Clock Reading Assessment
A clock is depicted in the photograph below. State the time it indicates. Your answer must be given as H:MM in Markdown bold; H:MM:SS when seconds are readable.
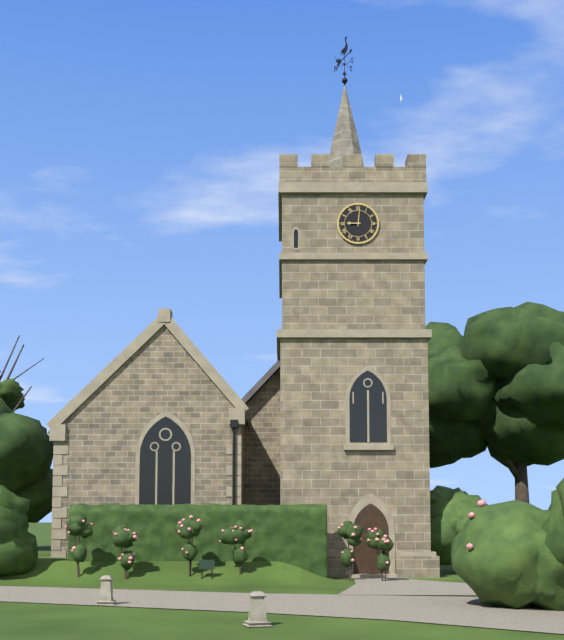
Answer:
**9:01**
